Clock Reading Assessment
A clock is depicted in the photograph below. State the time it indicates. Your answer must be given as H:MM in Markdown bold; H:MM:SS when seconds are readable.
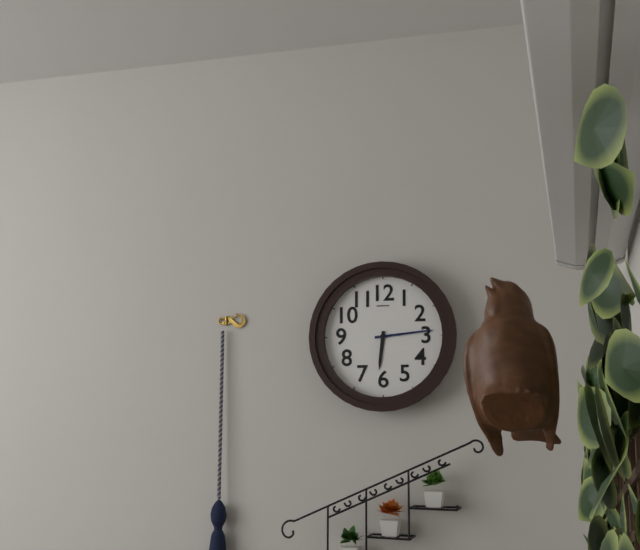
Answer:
**6:14**
